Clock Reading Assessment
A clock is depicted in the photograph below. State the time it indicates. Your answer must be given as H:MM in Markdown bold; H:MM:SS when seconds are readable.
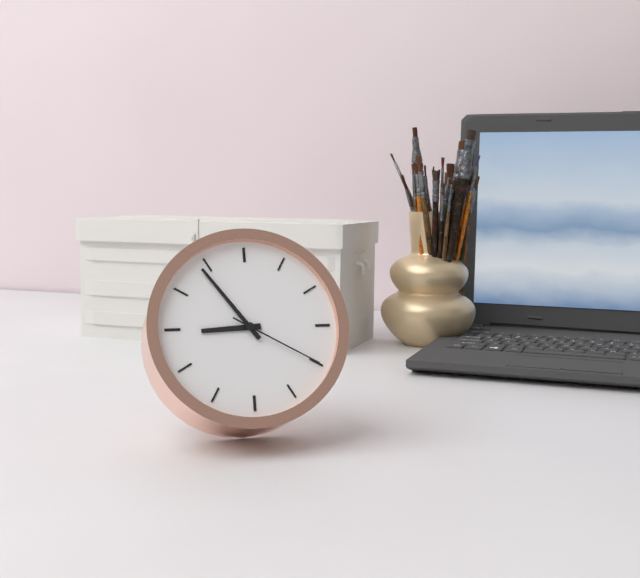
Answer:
**8:54:20**
